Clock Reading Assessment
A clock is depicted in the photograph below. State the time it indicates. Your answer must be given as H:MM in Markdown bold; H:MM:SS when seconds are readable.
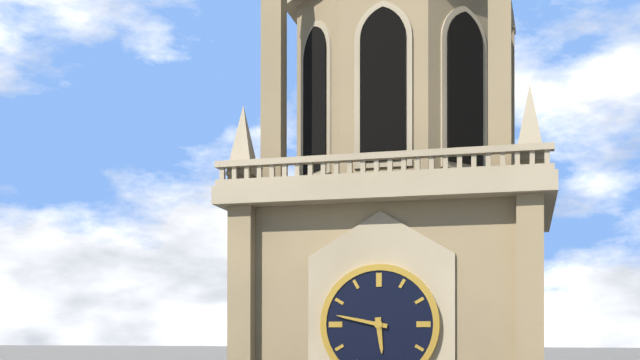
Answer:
**5:47**
